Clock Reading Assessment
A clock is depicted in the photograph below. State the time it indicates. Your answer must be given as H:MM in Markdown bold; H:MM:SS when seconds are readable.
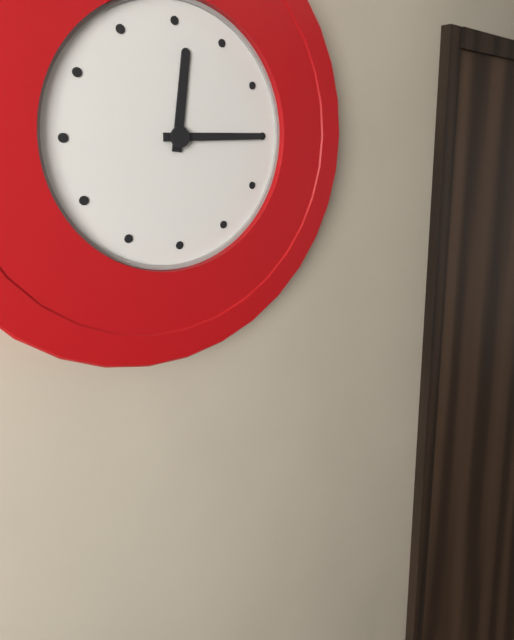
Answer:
**12:15**
